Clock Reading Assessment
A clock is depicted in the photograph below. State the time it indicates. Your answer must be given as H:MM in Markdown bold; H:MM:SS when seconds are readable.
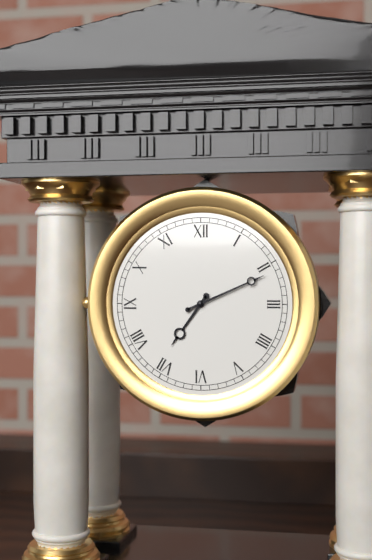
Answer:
**7:11**
